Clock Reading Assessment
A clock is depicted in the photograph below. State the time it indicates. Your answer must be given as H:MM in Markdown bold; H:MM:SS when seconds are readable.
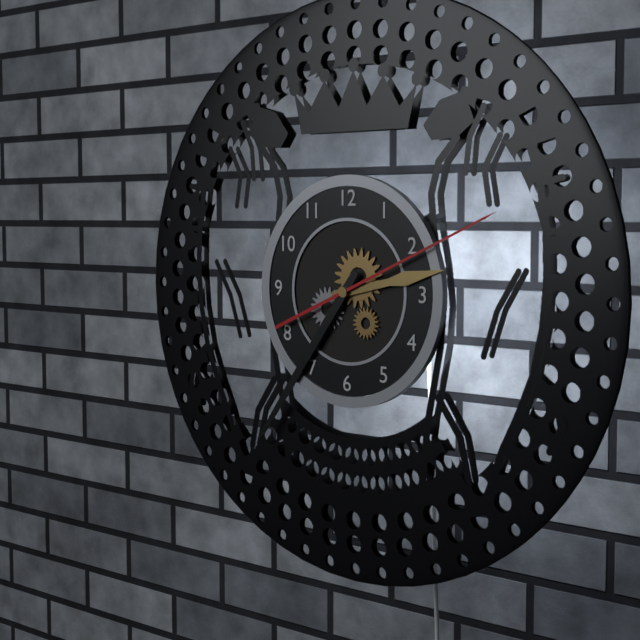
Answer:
**2:36:11**
